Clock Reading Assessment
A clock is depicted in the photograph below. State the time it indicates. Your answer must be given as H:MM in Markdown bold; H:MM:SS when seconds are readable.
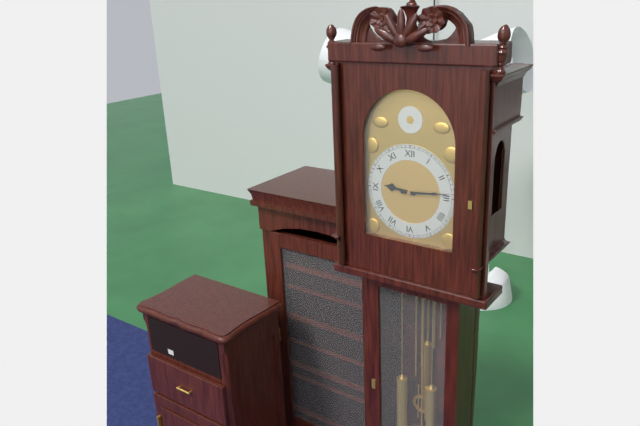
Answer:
**9:14**
